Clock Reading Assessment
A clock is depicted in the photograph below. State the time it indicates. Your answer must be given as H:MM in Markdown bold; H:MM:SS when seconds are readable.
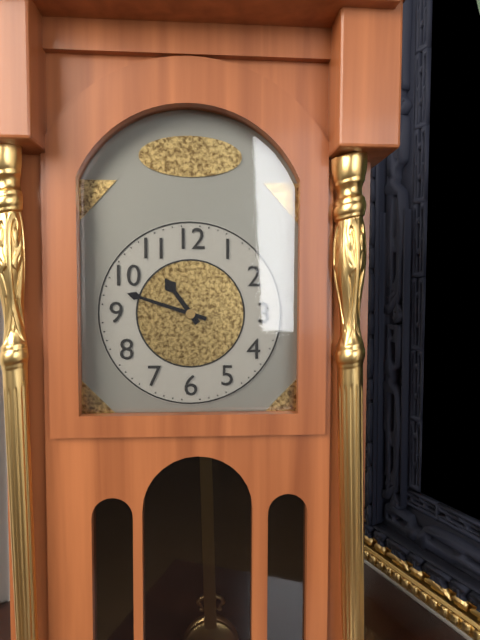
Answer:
**10:48**
